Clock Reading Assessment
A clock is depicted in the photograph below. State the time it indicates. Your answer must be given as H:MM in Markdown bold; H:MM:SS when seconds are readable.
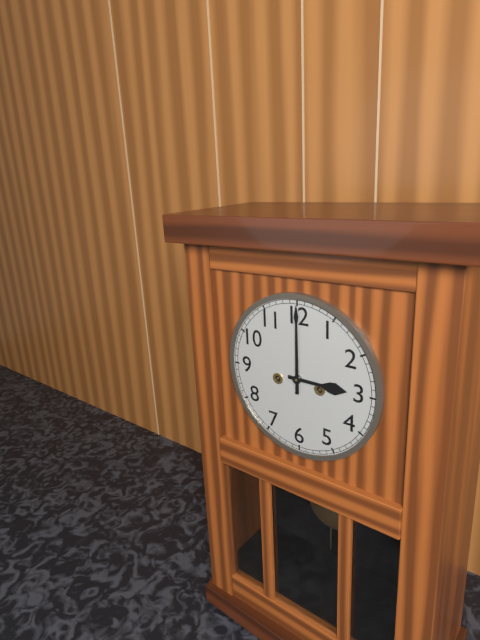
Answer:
**3:00**
